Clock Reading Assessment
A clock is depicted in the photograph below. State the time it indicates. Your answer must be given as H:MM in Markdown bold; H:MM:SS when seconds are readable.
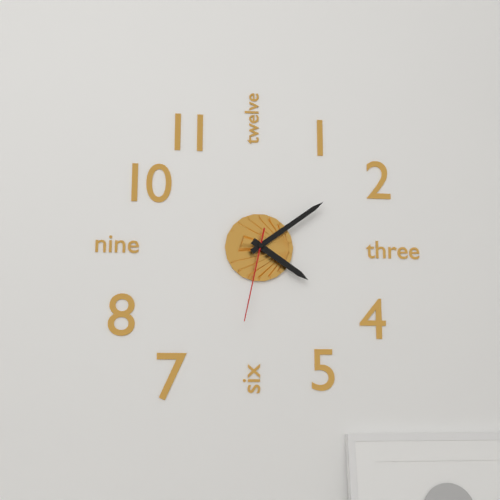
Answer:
**4:09:32**
